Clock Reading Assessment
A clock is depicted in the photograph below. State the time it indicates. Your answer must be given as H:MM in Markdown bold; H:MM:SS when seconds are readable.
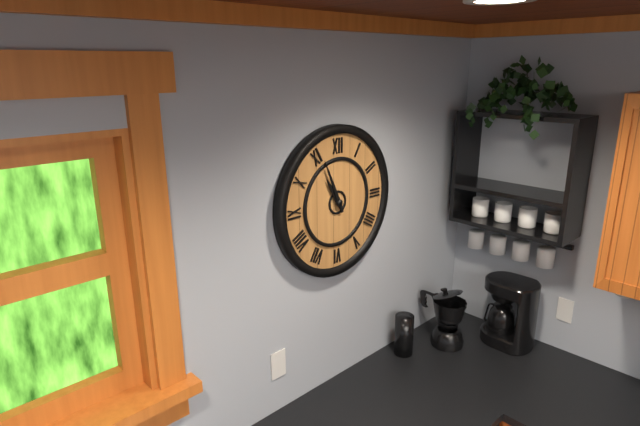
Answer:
**10:56**
